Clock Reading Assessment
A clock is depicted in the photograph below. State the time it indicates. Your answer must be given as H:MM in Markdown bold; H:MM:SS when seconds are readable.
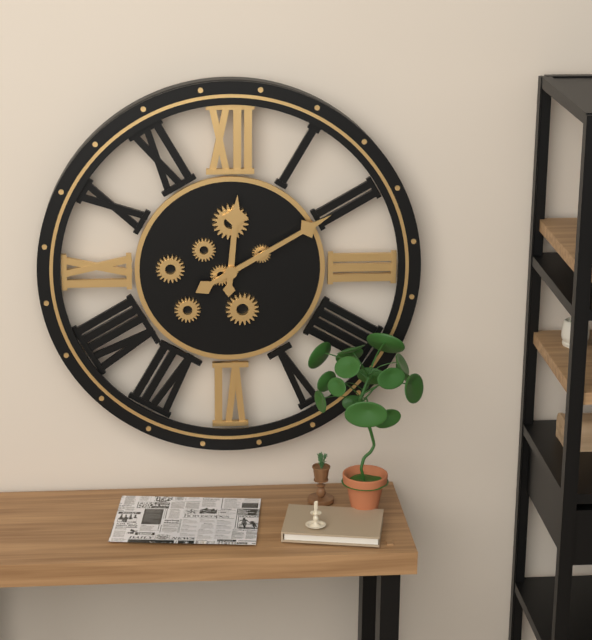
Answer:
**12:10**
